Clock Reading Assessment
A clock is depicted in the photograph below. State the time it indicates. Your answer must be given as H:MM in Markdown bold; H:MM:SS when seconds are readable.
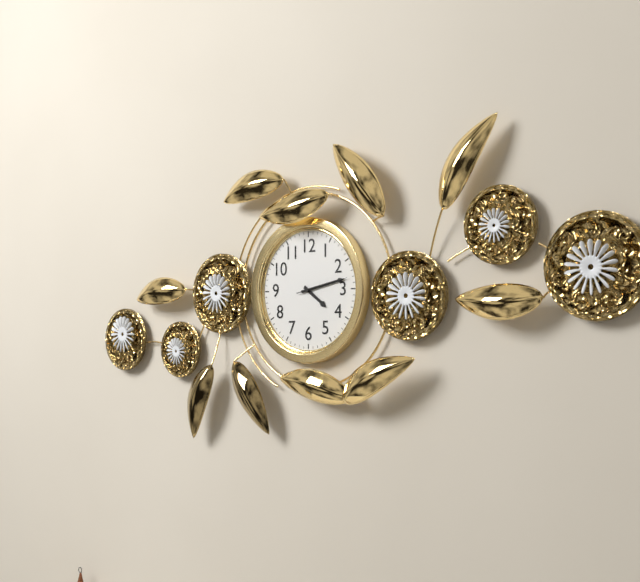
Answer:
**4:13:13**
